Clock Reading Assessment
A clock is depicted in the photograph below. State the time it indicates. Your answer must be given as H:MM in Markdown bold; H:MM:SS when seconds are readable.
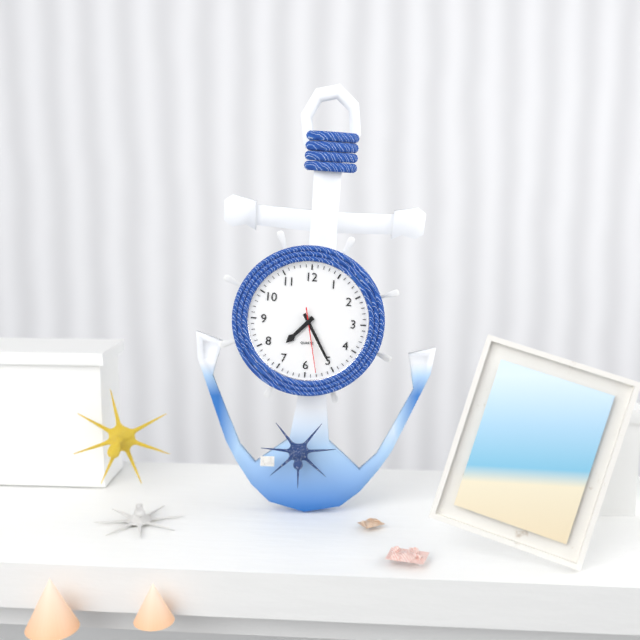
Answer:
**7:25:28**
